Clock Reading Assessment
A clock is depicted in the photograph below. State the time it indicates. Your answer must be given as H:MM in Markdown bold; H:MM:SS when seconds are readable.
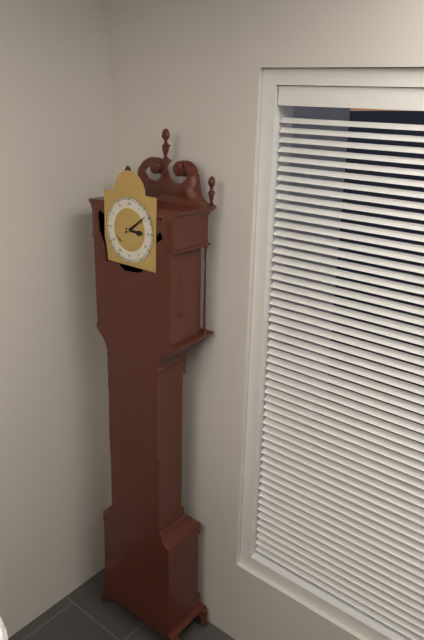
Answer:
**3:09**
